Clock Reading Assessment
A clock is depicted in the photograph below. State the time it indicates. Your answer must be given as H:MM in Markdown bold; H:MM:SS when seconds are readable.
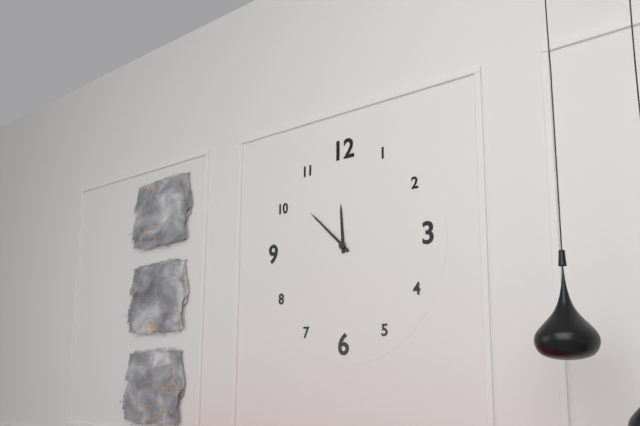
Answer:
**11:52**
